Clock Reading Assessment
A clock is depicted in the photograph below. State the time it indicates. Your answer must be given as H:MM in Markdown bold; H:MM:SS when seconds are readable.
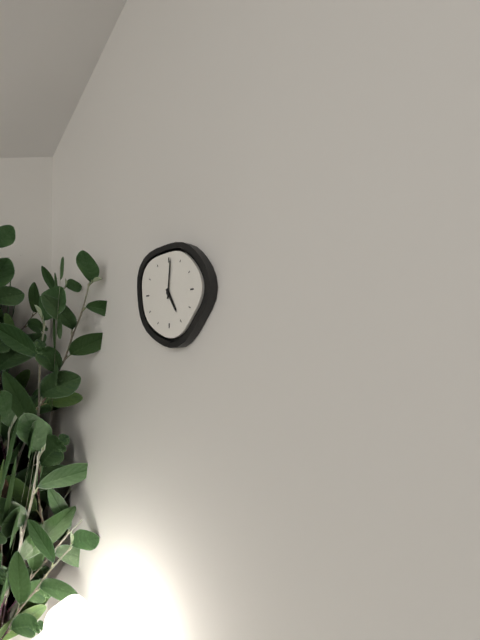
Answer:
**5:01**
